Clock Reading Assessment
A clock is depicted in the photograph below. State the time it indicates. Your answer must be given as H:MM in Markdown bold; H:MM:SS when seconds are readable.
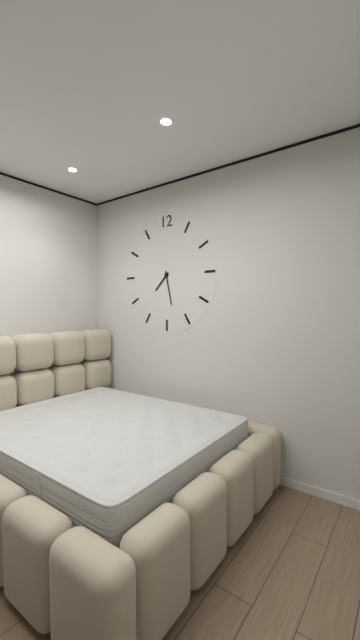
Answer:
**7:28**
